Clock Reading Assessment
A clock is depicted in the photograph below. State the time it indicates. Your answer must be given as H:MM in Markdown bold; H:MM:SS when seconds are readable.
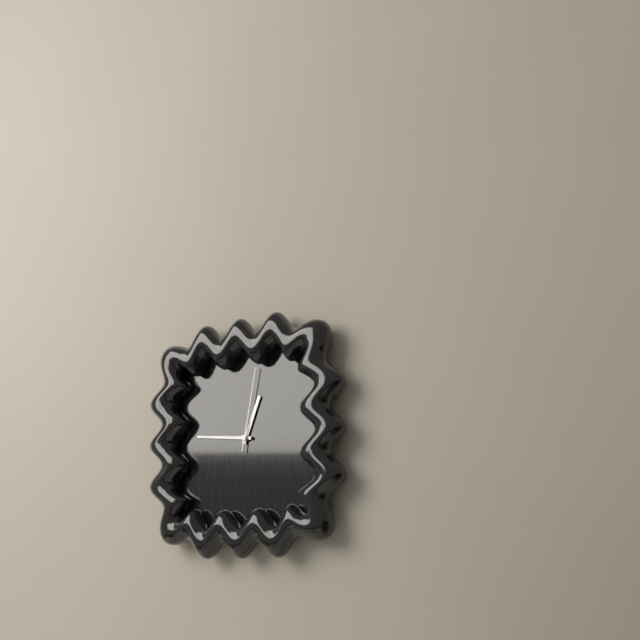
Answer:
**12:46:02**
